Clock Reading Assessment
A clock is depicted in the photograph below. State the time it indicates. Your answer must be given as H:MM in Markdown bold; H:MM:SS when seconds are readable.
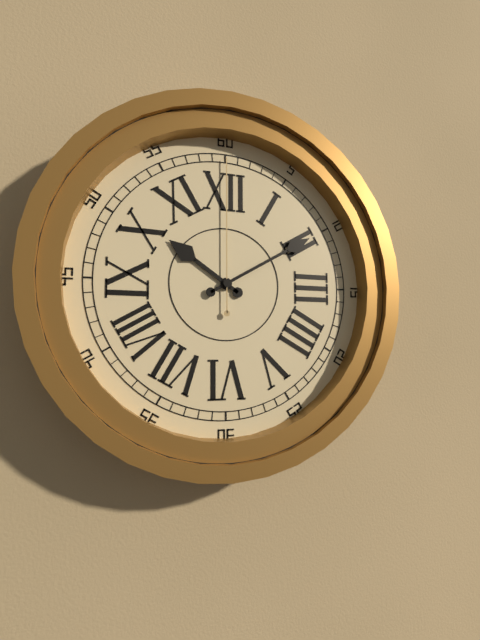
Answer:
**10:10:00**
